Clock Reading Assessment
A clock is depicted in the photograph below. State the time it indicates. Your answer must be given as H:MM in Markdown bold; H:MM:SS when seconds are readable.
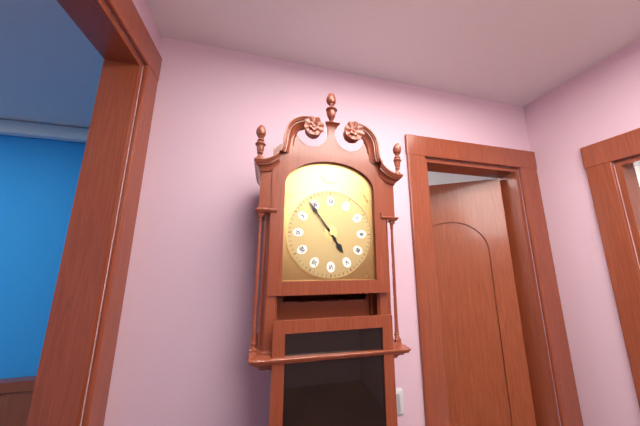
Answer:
**4:54**
